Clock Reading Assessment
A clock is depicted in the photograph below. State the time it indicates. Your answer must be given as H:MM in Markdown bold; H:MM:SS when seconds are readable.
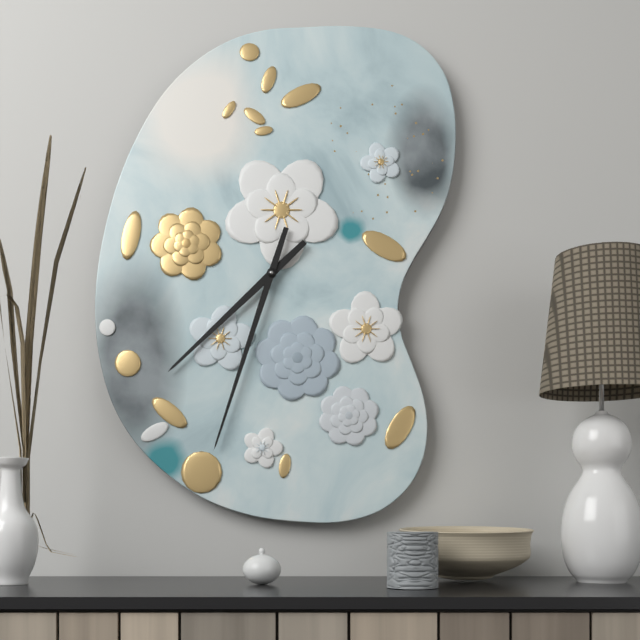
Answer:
**7:33**
